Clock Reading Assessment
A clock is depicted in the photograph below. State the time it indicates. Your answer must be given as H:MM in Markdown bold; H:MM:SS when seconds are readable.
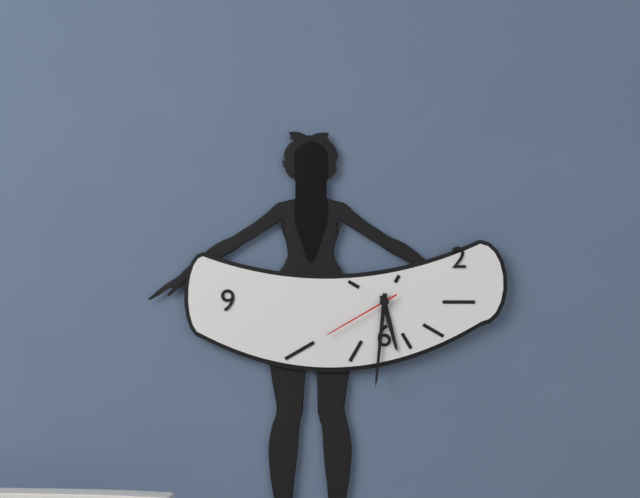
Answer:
**5:31:40**
